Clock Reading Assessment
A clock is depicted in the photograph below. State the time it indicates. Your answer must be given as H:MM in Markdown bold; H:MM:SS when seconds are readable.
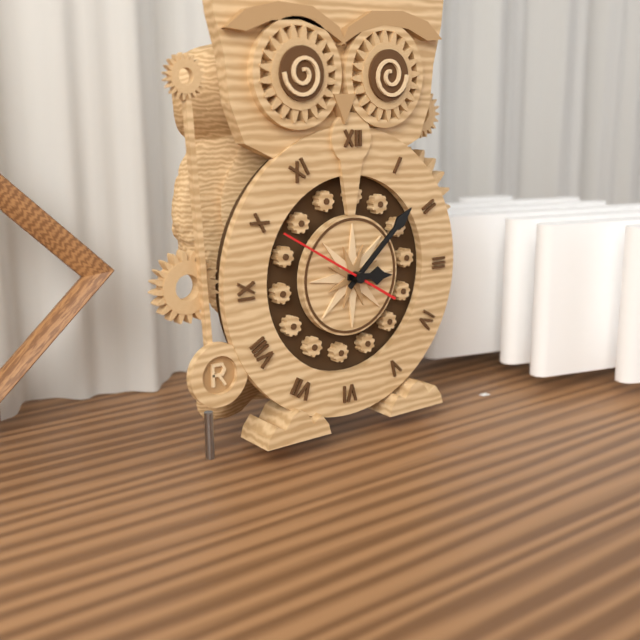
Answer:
**3:08:50**
